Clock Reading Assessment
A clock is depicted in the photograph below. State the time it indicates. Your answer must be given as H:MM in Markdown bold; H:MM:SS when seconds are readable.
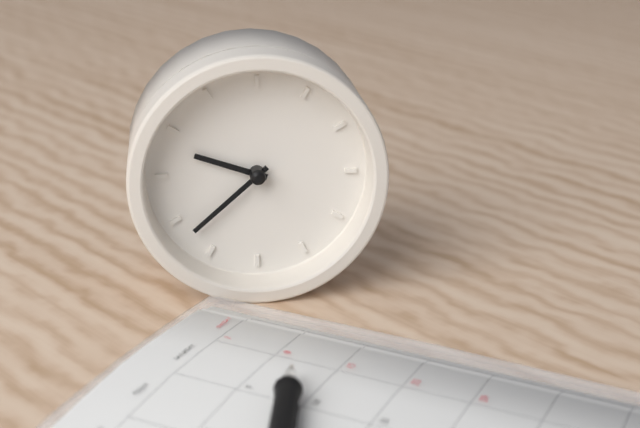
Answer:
**9:38**
